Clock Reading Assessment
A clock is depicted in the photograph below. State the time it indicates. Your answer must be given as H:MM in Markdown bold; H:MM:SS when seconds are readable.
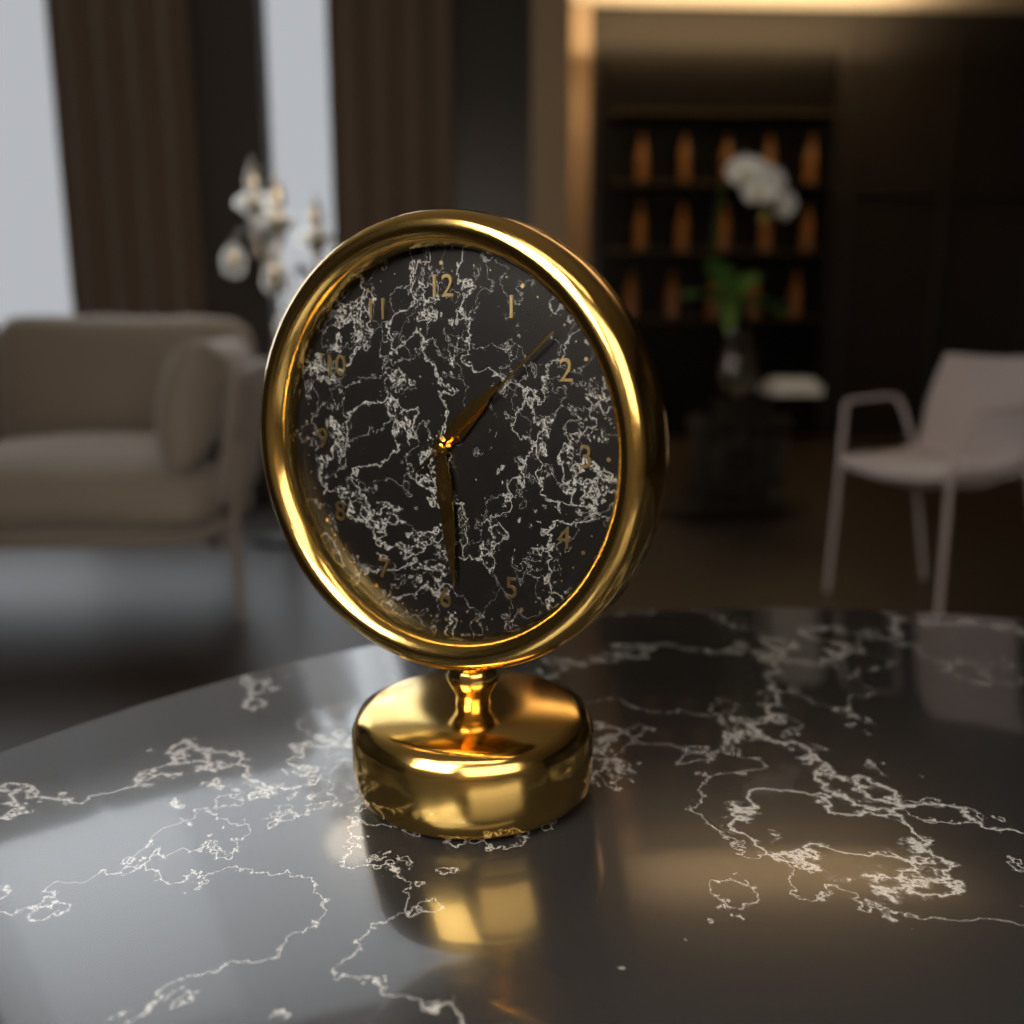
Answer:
**1:29:08**
